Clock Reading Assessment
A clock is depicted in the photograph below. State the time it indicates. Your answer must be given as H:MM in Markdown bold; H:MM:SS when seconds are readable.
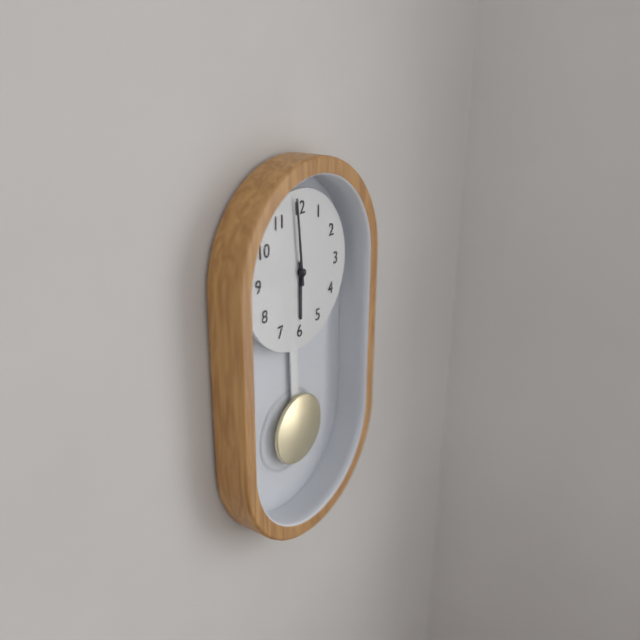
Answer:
**5:59**
